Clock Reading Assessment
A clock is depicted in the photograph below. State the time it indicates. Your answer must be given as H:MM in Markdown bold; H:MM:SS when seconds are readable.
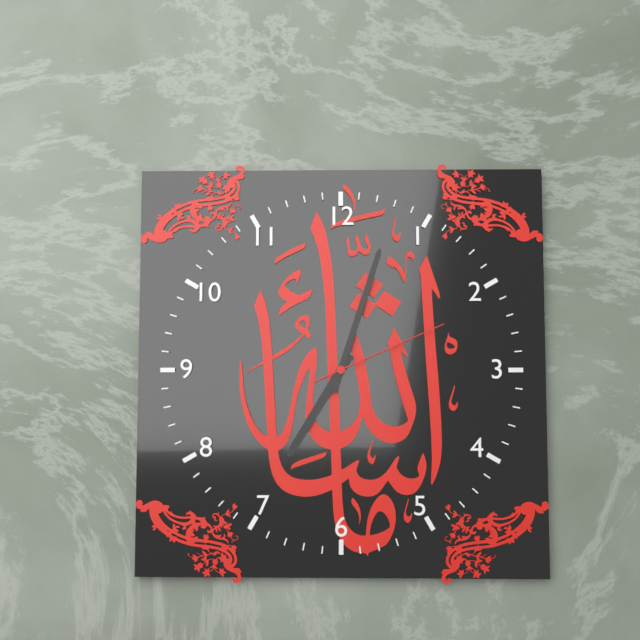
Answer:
**7:03:11**
